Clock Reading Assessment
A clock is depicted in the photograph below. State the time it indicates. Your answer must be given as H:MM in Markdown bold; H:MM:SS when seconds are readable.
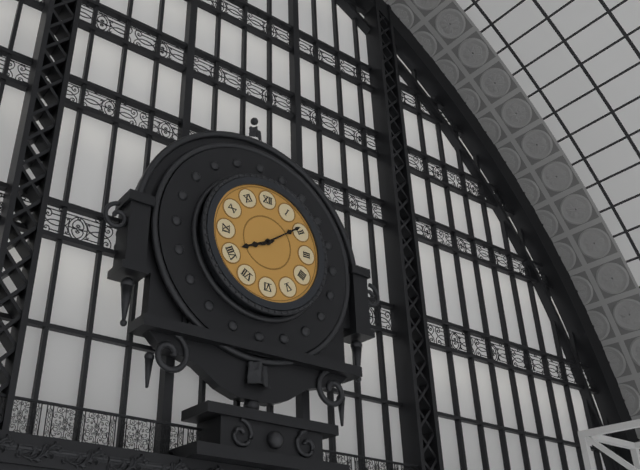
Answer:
**8:09**
